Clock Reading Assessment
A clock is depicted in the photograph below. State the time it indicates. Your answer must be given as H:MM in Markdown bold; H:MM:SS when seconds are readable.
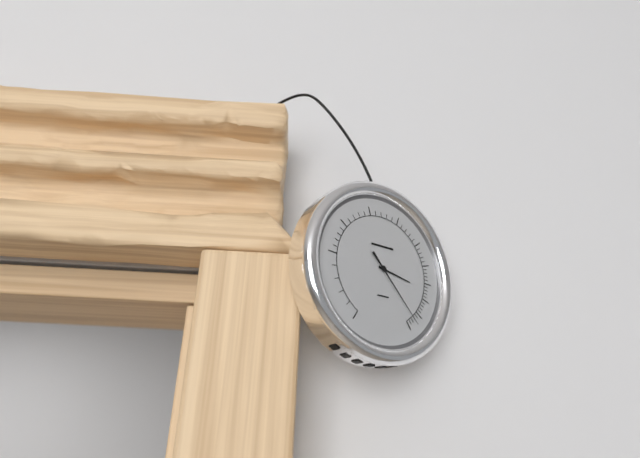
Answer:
**3:23**
